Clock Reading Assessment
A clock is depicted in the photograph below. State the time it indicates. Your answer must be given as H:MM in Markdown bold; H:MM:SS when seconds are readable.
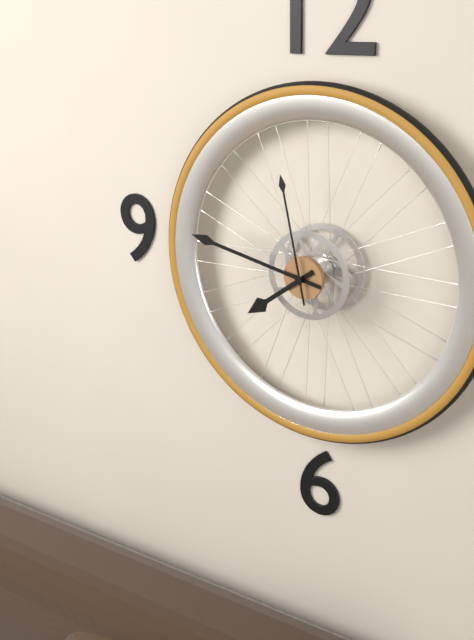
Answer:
**7:47:58**
